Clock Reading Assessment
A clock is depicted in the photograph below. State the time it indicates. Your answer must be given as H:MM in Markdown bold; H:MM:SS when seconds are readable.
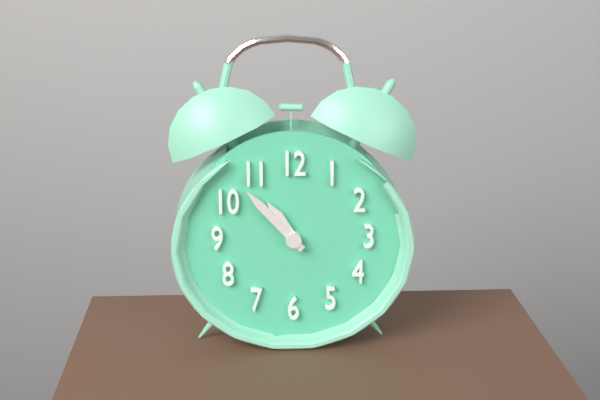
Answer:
**10:53**
